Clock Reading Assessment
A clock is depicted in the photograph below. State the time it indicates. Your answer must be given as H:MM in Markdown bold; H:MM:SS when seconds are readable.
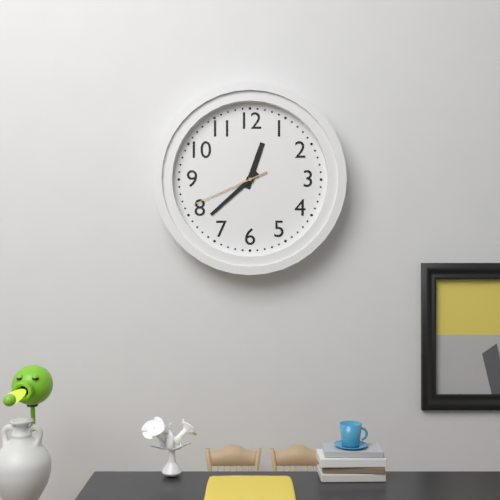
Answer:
**12:38:41**
